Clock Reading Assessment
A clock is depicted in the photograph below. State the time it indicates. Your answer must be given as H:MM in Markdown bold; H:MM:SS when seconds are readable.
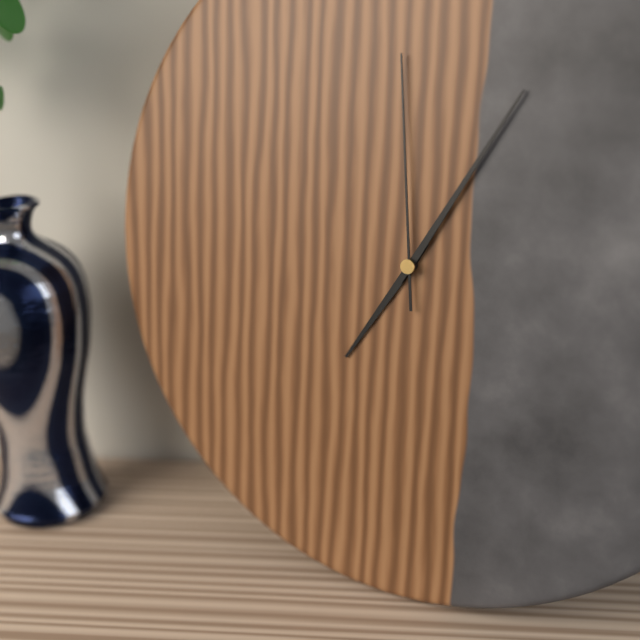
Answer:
**7:05:59**
